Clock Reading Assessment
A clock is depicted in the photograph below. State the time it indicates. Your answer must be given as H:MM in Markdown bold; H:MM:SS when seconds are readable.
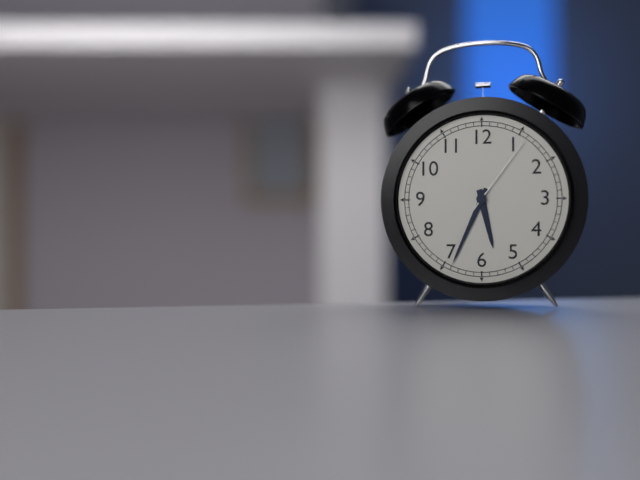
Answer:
**5:34:06**
